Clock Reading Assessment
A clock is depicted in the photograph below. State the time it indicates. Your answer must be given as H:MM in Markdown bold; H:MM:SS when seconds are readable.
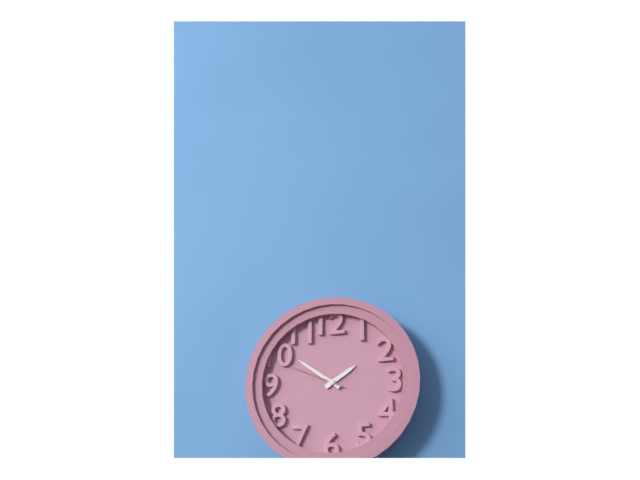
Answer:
**1:51:49**
